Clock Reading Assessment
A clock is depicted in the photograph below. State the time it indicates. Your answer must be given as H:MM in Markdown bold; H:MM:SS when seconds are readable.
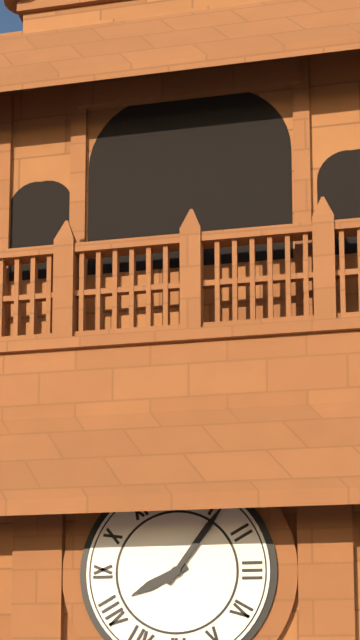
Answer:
**8:06**
